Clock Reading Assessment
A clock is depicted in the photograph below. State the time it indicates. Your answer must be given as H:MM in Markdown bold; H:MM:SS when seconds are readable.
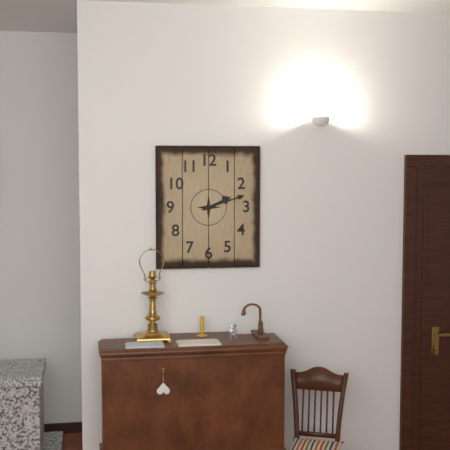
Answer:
**2:12**
